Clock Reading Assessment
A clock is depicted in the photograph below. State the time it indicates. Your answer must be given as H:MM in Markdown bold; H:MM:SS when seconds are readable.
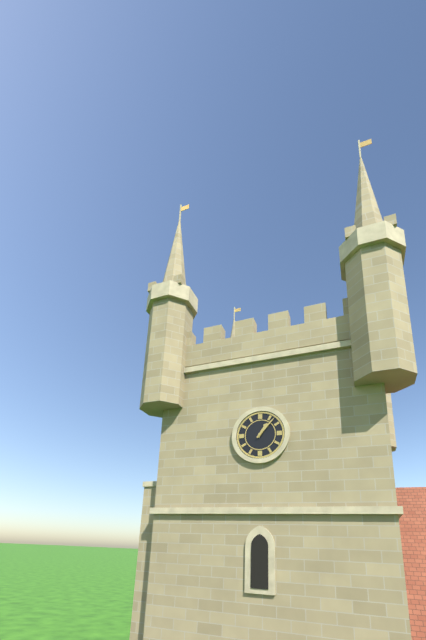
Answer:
**1:07**
